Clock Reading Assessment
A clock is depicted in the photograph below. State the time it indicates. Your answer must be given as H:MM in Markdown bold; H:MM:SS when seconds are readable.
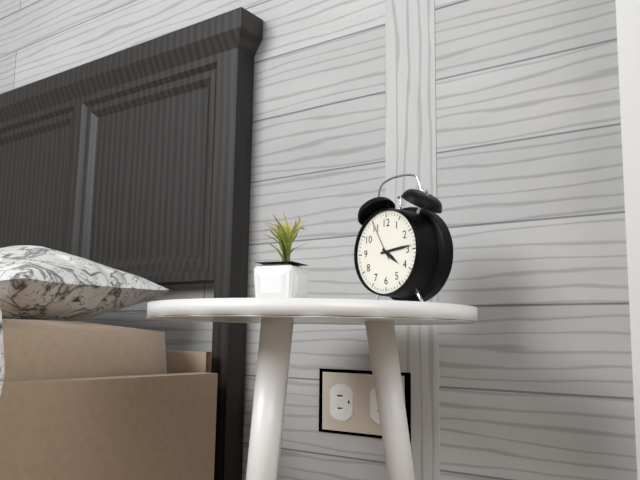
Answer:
**4:14**
